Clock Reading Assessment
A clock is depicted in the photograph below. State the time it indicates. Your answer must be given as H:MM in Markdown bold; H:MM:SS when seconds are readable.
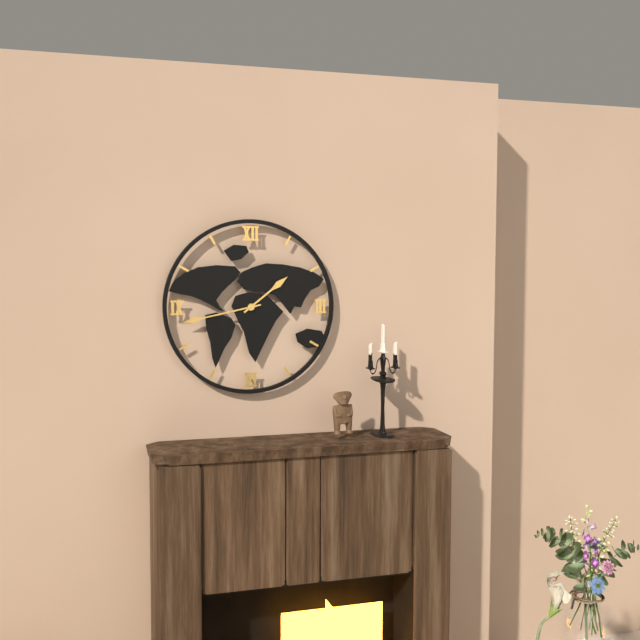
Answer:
**1:43**
